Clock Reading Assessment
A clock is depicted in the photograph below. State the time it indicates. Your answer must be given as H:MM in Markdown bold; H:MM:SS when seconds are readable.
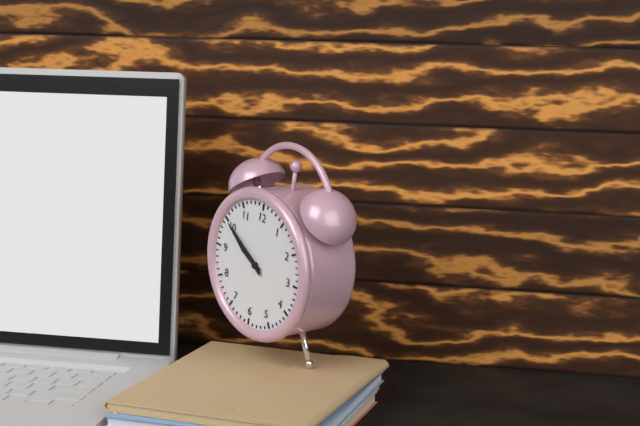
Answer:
**9:50**
